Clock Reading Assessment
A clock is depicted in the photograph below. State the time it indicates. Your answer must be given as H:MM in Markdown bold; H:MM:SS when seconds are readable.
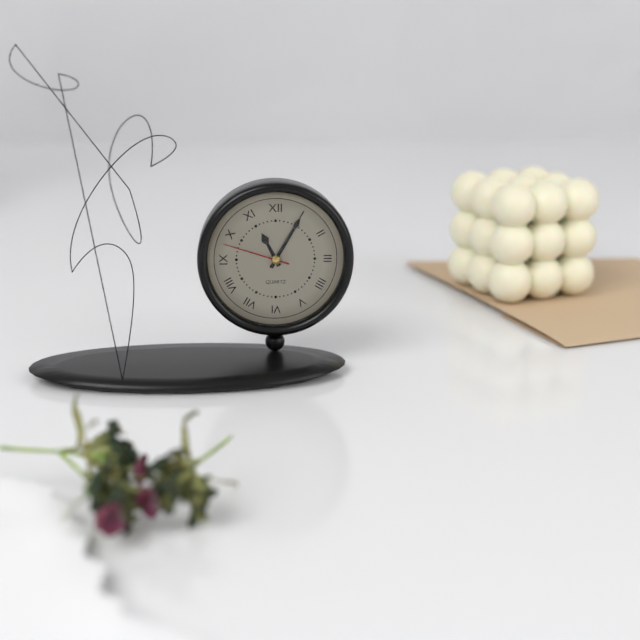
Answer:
**11:05:48**
